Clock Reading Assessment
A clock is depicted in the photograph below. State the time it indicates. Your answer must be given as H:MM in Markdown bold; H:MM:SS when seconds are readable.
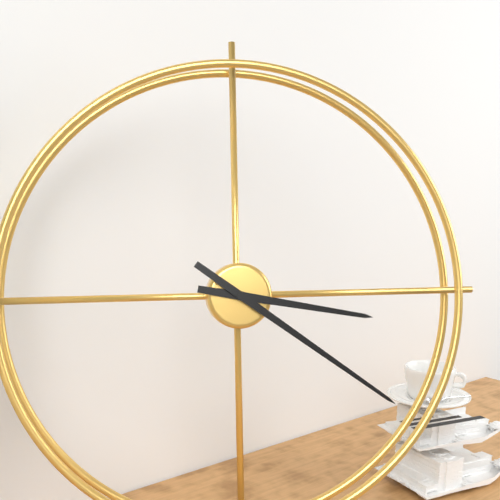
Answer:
**3:21**
